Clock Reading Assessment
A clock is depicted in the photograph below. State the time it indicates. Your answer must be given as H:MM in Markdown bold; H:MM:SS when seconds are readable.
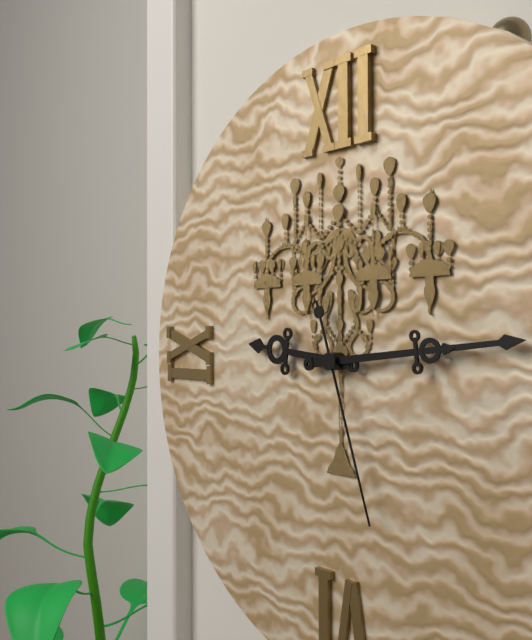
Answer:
**9:14:27**
